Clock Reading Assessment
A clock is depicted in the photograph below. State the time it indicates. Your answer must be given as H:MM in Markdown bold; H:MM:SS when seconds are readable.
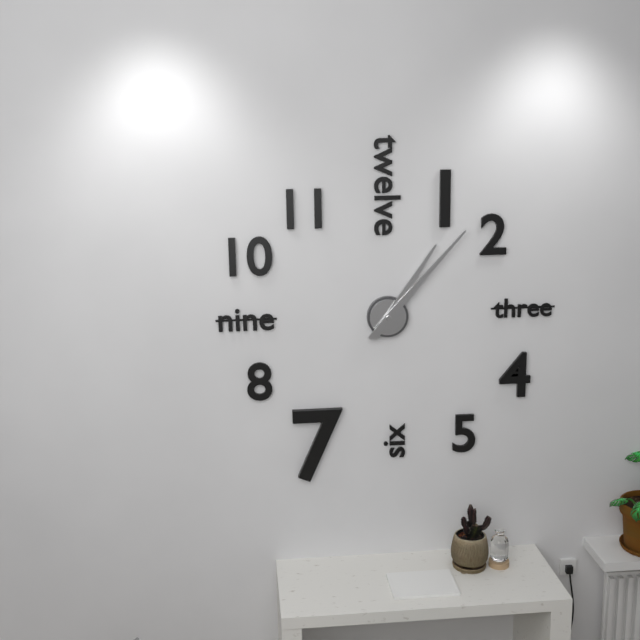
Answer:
**1:07**
